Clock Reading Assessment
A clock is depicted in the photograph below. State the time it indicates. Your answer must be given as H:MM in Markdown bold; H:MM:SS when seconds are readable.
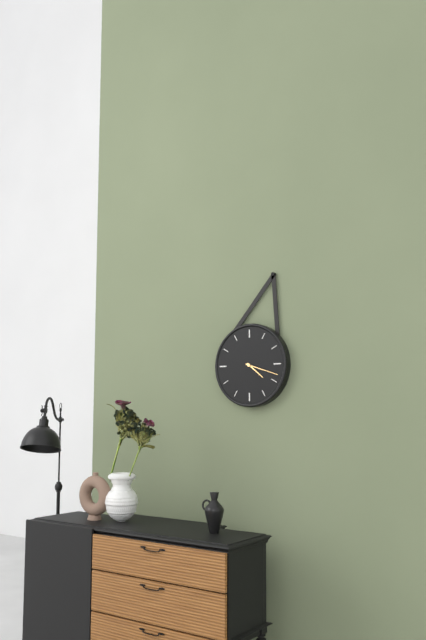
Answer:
**4:18**
